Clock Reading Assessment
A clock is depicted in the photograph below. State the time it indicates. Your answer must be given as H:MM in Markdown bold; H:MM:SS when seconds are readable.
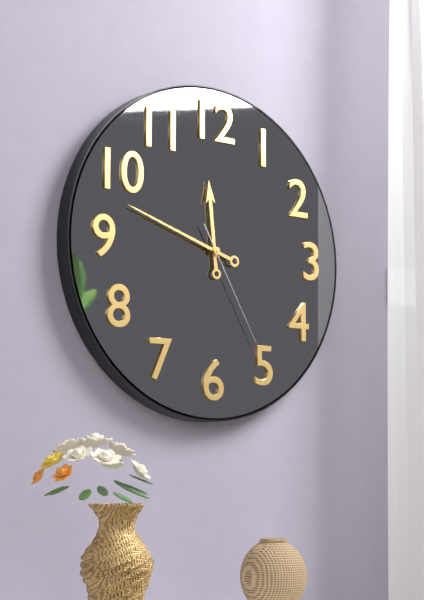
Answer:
**11:48:25**
